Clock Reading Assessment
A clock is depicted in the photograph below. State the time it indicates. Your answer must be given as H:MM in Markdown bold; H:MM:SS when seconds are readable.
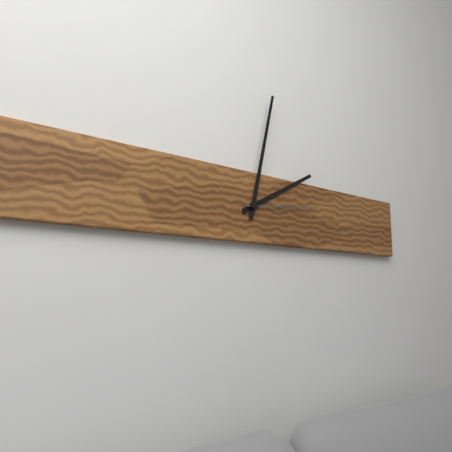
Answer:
**2:02:14**
